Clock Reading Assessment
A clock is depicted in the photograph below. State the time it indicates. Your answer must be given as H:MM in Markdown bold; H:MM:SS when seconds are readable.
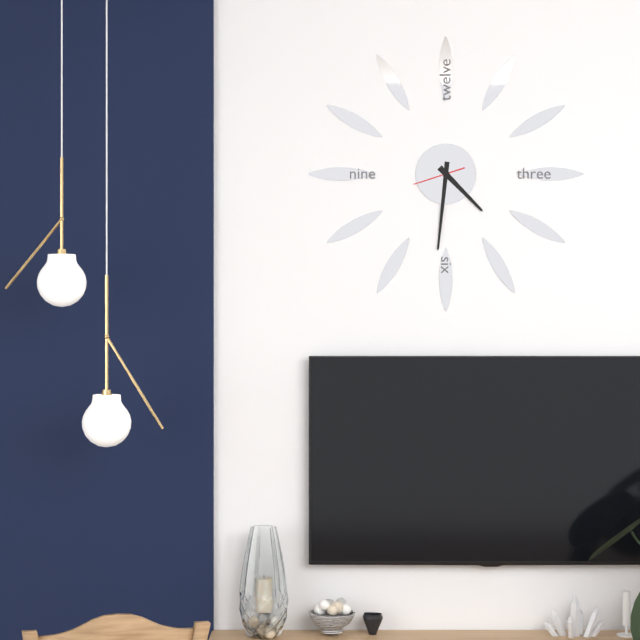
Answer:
**4:31**
